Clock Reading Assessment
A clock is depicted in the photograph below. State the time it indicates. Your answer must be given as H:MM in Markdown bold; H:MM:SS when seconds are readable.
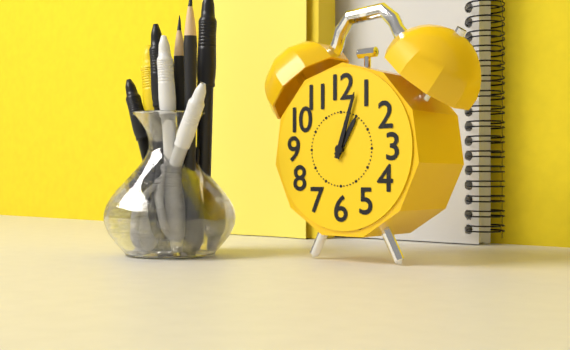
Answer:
**1:03**
